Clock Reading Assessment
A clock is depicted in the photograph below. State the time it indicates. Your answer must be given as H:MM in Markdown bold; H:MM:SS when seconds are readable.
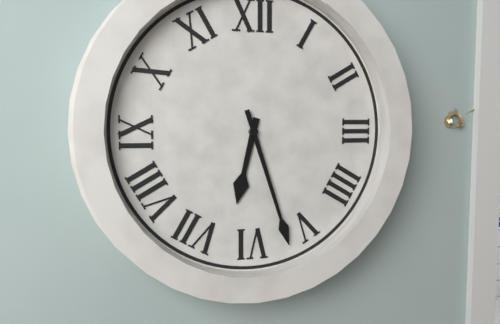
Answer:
**6:27**
